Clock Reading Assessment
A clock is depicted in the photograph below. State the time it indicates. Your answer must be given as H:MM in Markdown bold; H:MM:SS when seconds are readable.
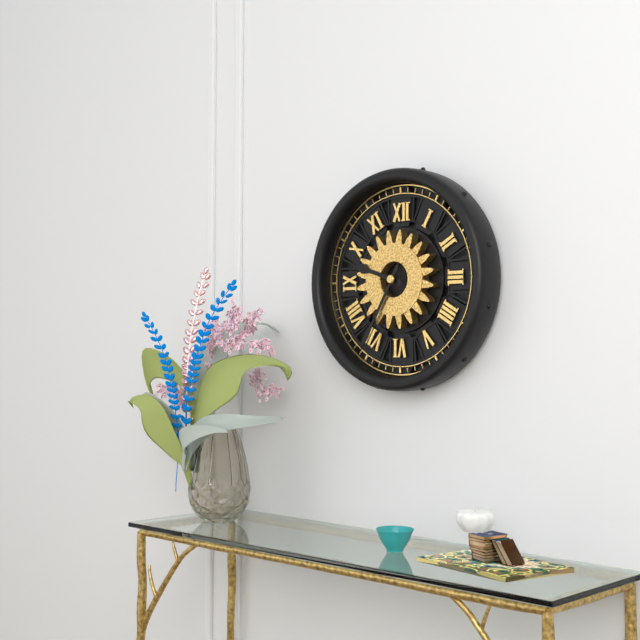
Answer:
**9:35**
